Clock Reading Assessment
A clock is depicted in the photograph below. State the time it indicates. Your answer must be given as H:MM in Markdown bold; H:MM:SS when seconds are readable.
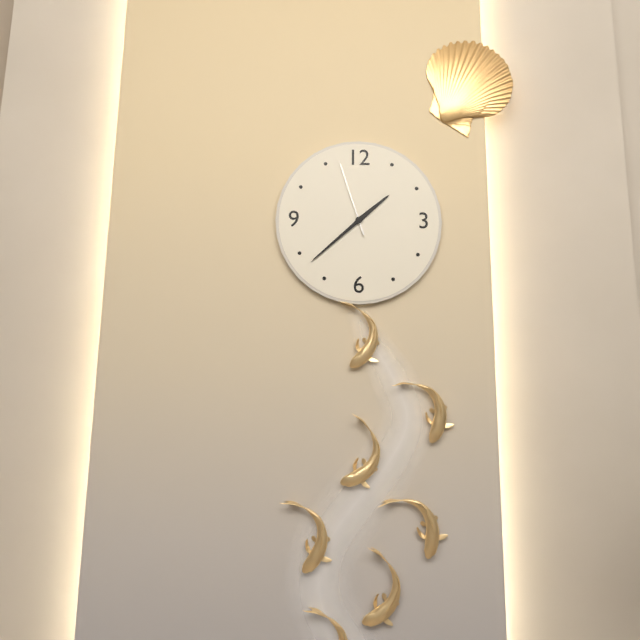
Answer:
**1:38:57**
